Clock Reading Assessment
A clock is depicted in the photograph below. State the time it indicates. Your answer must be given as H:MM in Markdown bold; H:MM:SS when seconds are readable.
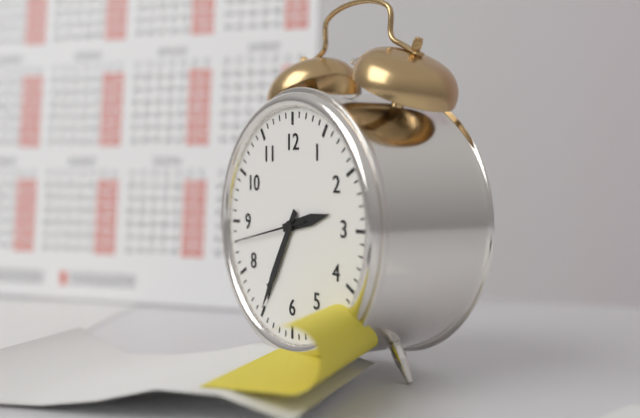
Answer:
**2:35:43**
